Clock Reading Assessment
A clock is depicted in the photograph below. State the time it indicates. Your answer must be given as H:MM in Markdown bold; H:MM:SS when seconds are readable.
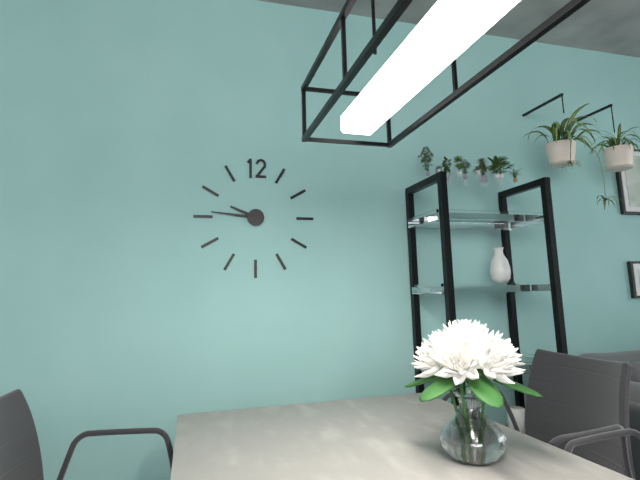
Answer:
**9:46**
